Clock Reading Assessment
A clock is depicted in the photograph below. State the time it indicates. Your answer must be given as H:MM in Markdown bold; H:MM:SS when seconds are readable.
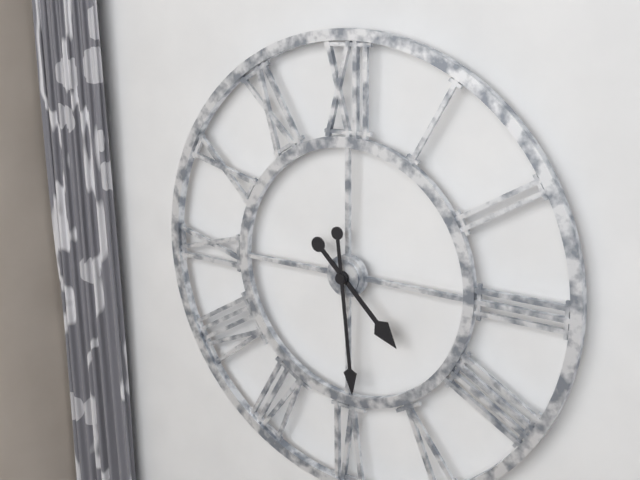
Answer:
**4:29**
